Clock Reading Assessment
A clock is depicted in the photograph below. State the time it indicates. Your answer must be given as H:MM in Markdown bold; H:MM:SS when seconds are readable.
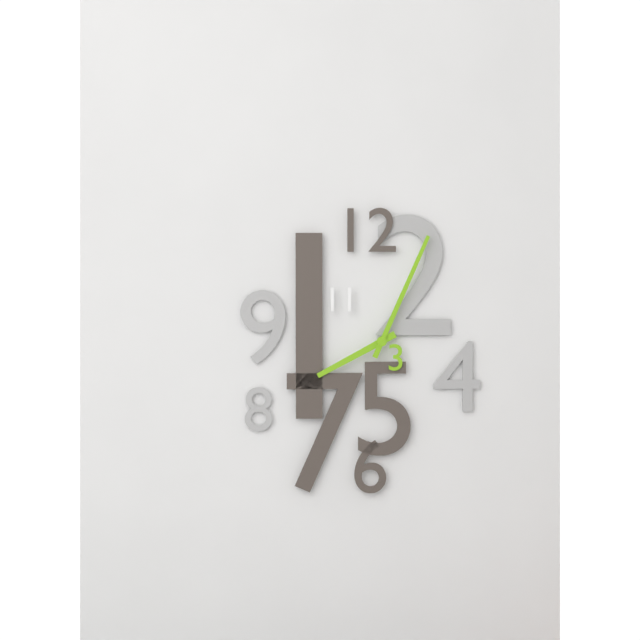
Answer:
**8:04**
